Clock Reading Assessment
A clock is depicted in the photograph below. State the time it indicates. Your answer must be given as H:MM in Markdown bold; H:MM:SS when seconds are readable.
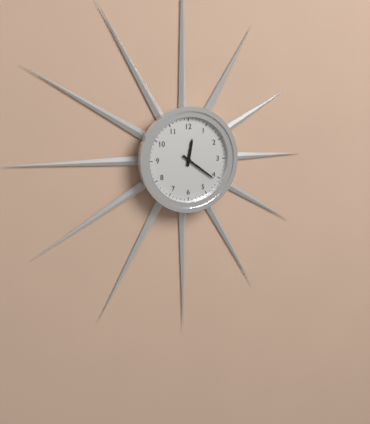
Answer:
**12:21**
